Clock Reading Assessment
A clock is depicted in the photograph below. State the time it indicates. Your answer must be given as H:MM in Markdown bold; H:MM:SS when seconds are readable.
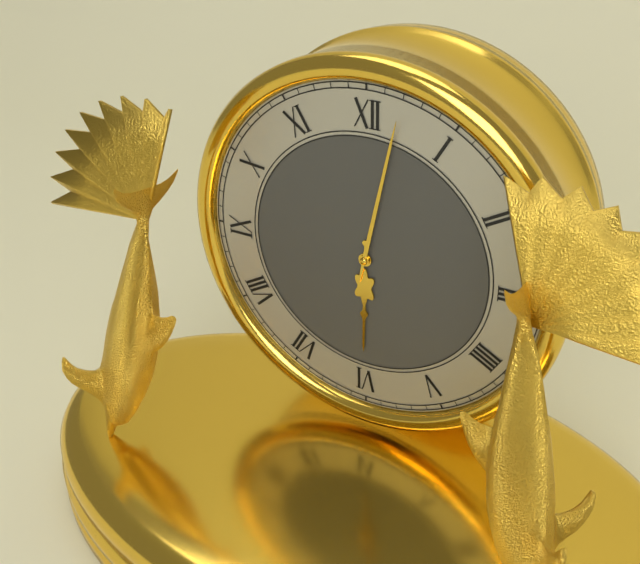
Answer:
**6:02**
